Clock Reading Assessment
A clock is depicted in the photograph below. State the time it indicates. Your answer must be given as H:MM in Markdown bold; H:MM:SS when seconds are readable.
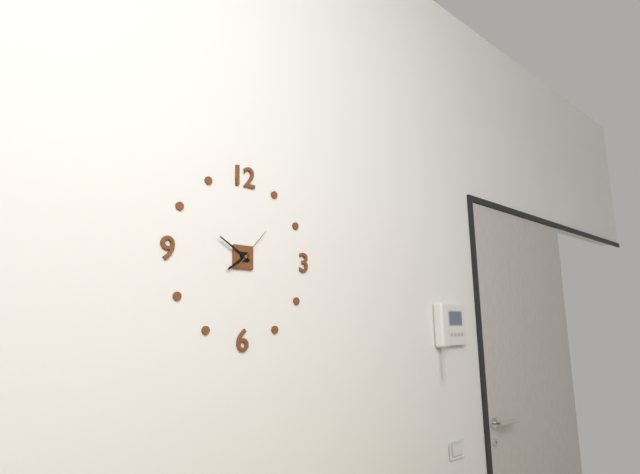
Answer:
**7:50**
